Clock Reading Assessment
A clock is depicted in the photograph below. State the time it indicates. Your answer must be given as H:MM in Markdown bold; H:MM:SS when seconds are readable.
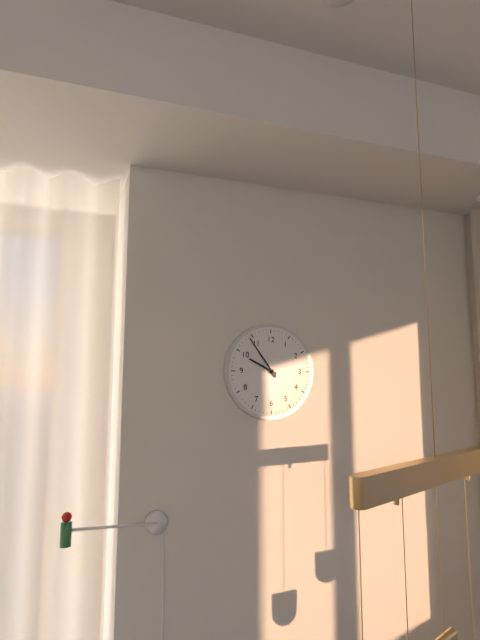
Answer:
**9:54**
